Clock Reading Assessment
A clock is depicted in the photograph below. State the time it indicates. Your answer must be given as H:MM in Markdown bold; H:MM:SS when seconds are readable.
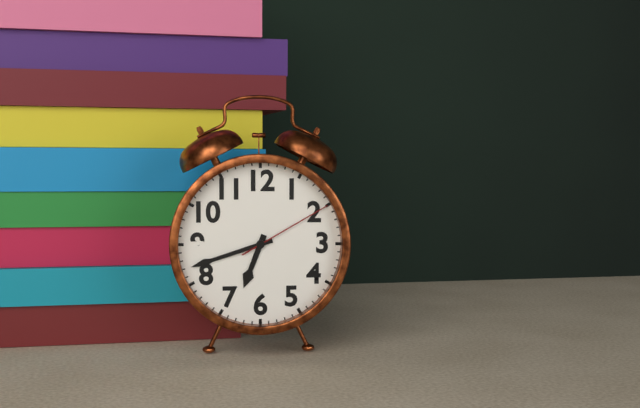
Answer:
**6:42:10**
